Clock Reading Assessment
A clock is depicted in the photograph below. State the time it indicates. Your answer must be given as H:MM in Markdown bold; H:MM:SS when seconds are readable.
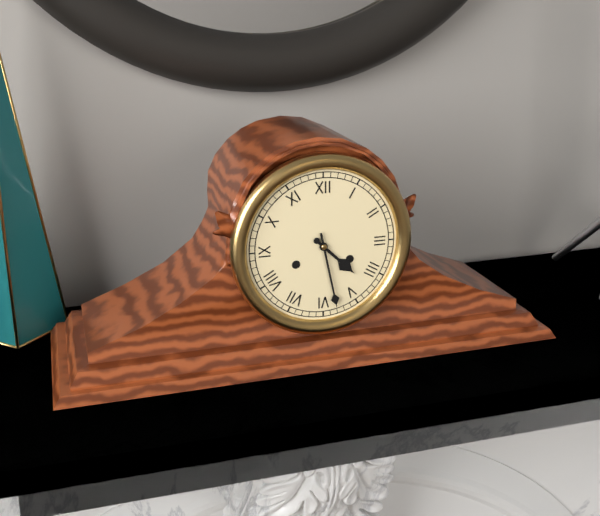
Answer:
**4:28**
